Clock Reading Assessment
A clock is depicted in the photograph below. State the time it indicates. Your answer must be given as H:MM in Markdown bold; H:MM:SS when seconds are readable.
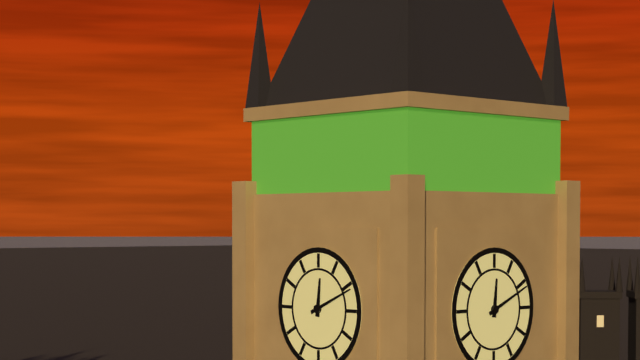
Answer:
**12:11**
